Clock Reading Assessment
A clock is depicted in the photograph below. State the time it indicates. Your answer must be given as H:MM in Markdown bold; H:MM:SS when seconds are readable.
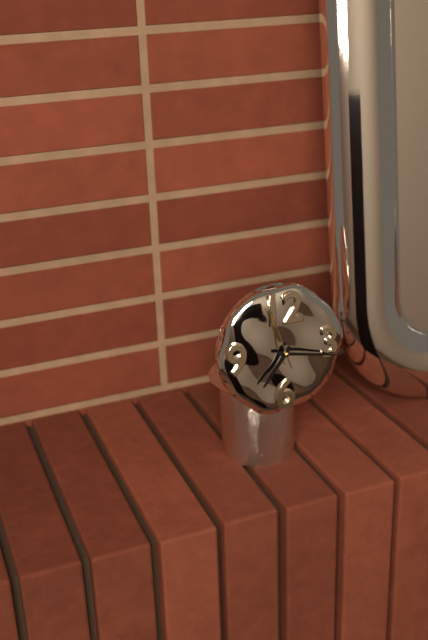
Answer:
**7:17:57**
